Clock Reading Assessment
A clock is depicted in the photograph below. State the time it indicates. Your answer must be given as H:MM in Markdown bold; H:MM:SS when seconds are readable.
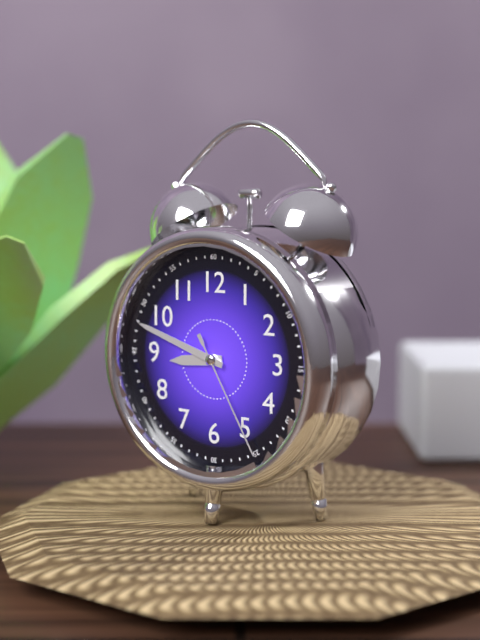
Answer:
**8:48:25**
